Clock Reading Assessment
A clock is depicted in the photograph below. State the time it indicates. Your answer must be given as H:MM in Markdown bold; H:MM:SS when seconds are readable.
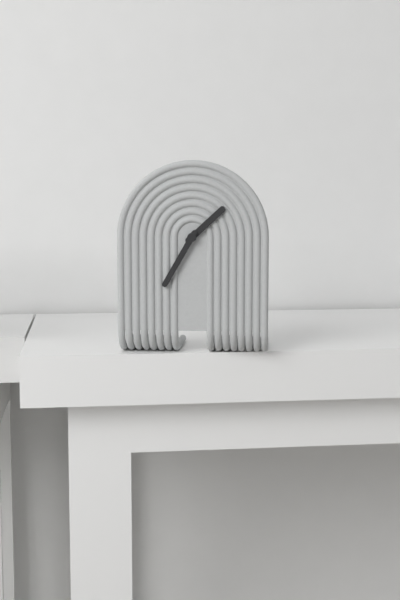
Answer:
**1:35**
